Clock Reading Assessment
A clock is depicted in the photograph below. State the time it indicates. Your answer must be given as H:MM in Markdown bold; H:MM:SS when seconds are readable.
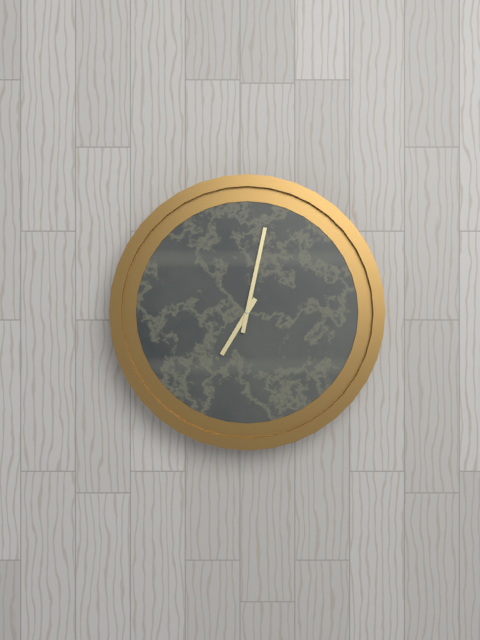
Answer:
**7:02**
